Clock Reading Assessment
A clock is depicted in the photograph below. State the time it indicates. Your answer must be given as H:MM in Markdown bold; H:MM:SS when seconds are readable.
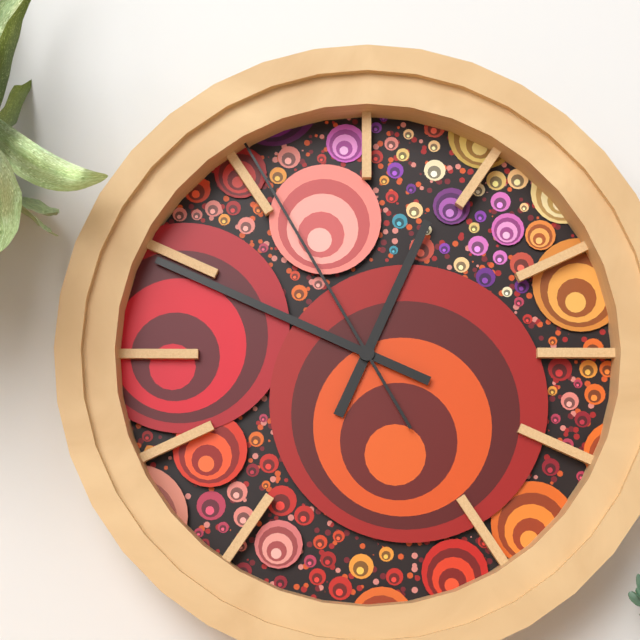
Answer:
**12:49:55**
